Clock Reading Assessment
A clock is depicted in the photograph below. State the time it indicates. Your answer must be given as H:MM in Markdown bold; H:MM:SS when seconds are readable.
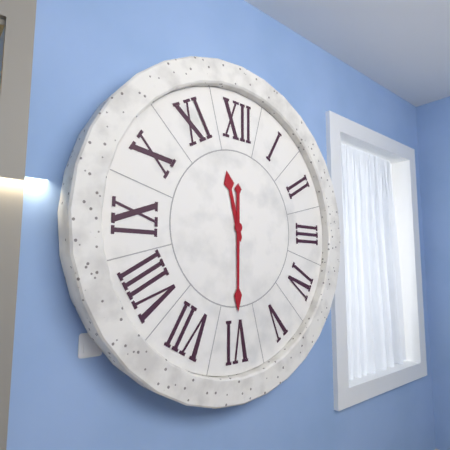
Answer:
**11:30**
